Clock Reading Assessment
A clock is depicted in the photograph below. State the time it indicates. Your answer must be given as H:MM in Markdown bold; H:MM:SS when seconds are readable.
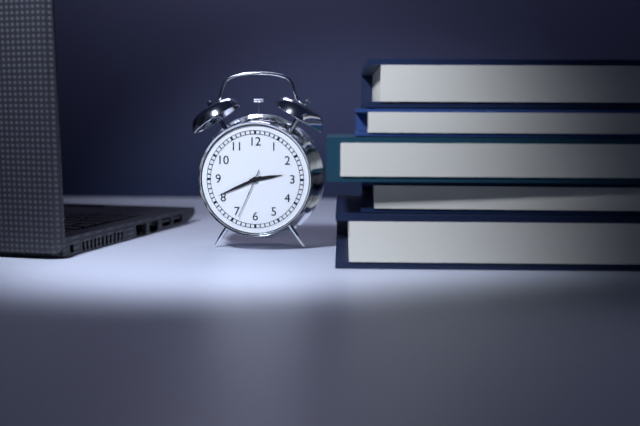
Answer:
**2:41:34**
